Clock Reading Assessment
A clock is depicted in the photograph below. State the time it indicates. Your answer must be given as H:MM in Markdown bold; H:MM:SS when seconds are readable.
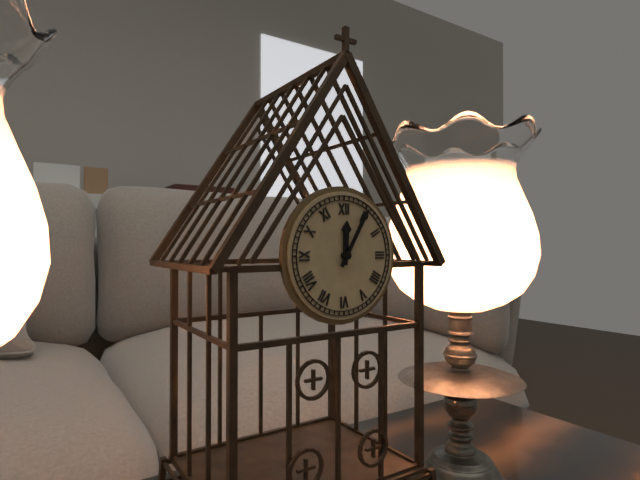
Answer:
**12:05**
